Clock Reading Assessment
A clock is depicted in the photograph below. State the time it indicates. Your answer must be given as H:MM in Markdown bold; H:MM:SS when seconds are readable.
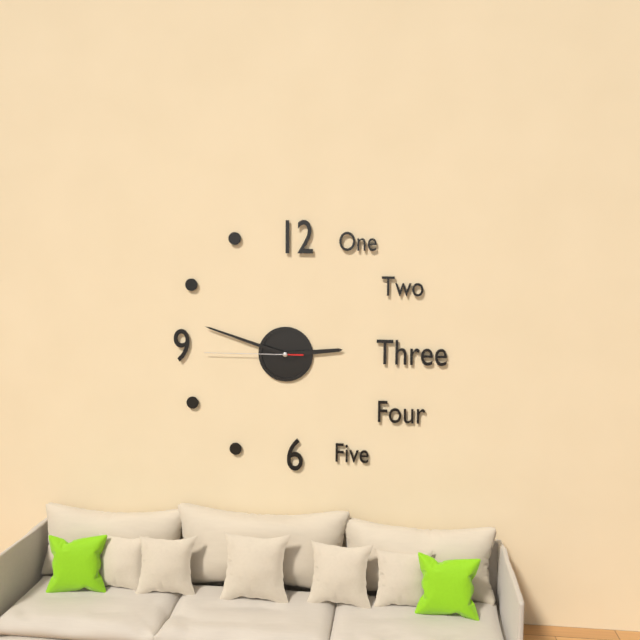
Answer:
**2:48:45**
